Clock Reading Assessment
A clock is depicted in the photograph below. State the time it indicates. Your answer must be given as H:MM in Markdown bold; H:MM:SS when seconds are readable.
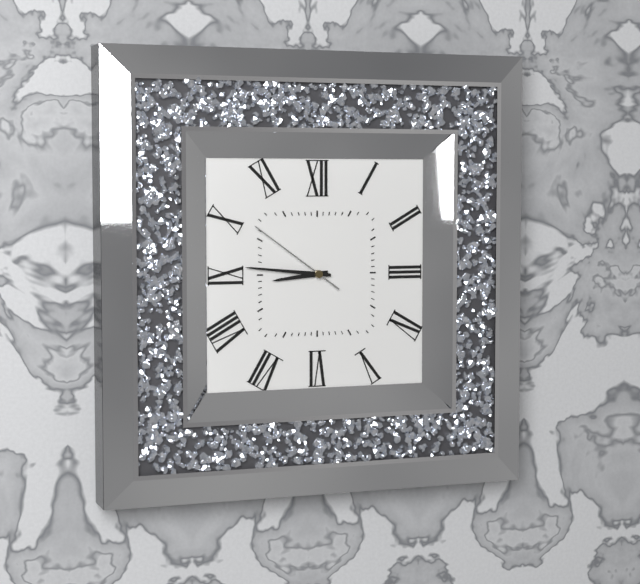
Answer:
**8:46:51**
